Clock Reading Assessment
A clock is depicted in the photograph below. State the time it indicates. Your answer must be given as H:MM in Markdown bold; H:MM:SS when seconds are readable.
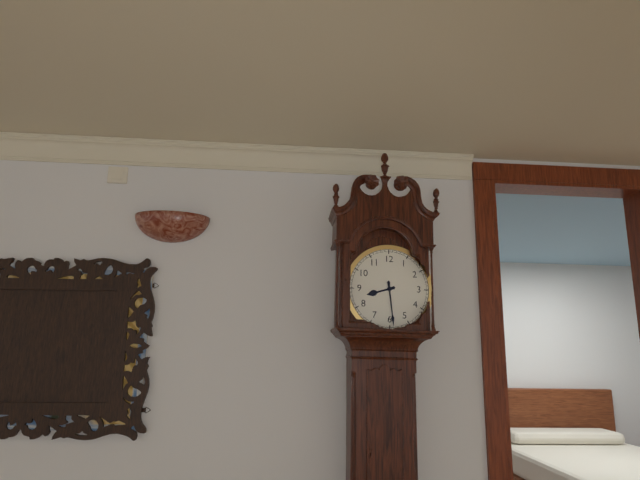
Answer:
**8:29**
